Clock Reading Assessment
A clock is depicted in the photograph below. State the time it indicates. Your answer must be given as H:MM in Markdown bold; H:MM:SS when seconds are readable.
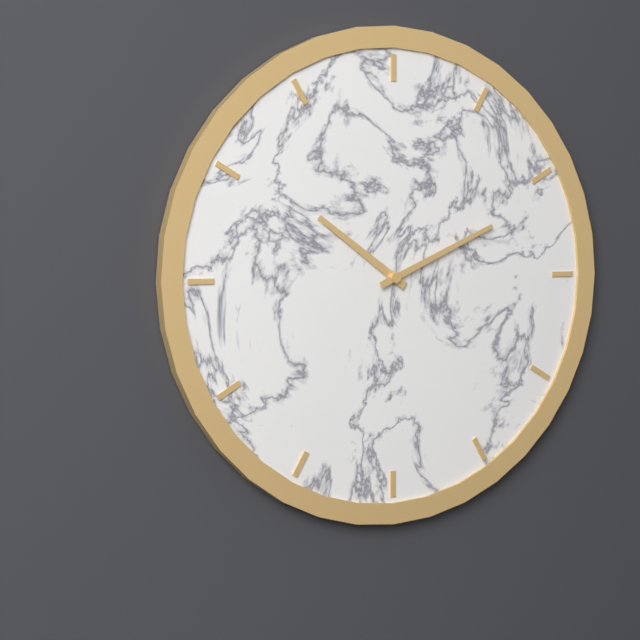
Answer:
**10:11**
